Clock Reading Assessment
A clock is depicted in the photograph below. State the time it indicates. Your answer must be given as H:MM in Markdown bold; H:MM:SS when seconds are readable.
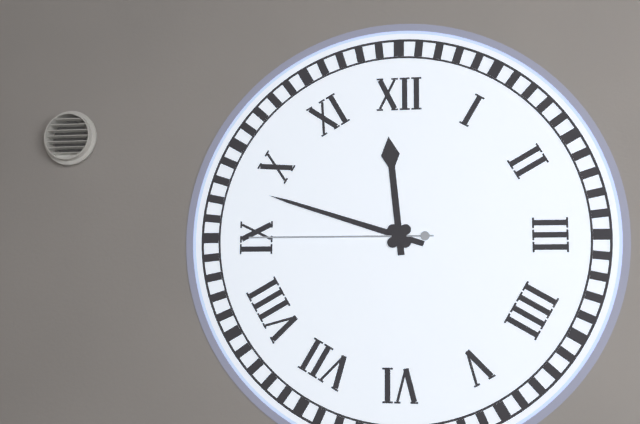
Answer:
**11:48:45**
